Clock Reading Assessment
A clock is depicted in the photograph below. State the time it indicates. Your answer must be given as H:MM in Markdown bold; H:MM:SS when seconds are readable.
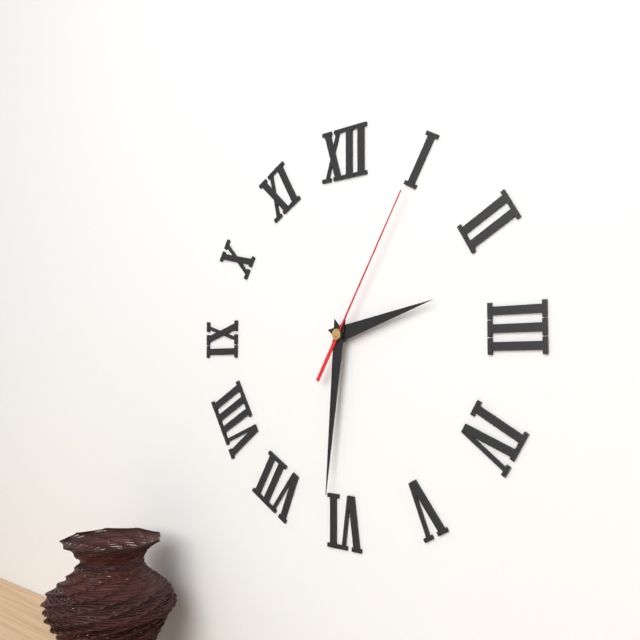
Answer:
**2:31:05**
